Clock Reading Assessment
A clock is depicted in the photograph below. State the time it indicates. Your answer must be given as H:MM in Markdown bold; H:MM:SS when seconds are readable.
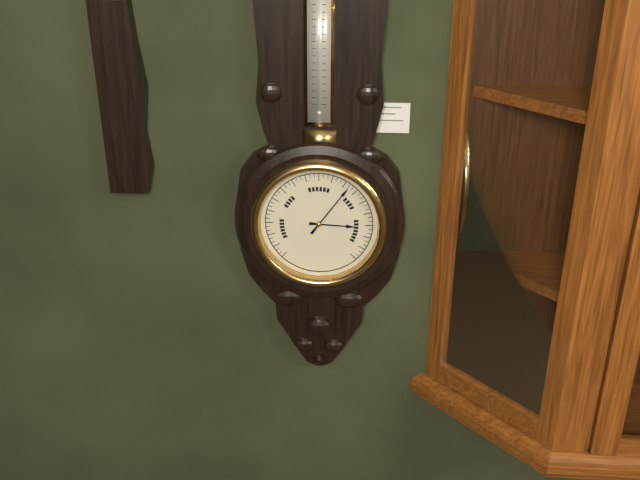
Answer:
**3:06**
